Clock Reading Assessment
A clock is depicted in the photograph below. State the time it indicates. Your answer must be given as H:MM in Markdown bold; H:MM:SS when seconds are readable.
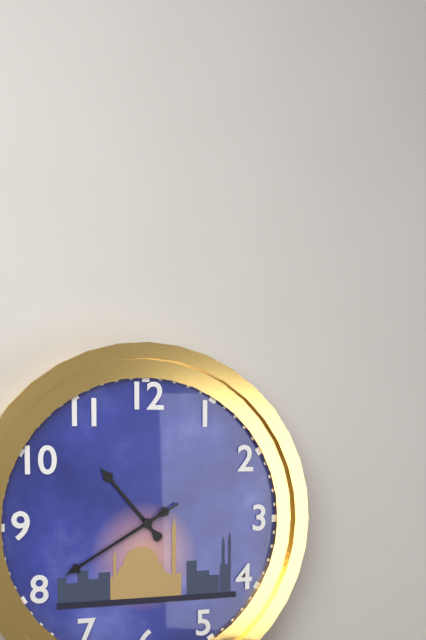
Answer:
**10:40:40**
